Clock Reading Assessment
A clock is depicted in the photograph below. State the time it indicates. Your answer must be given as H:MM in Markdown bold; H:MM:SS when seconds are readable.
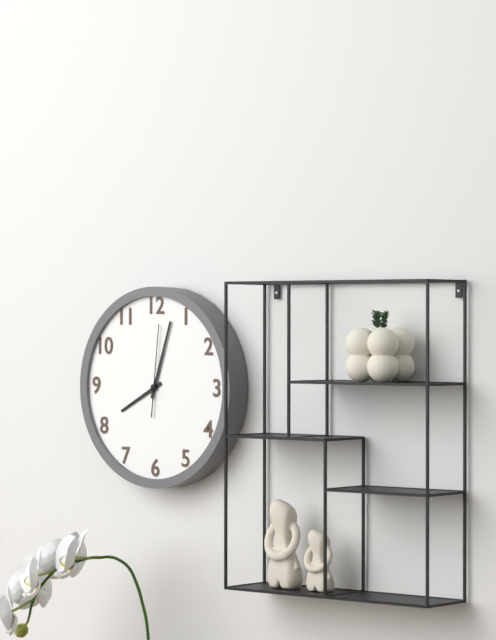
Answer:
**8:03:01**
